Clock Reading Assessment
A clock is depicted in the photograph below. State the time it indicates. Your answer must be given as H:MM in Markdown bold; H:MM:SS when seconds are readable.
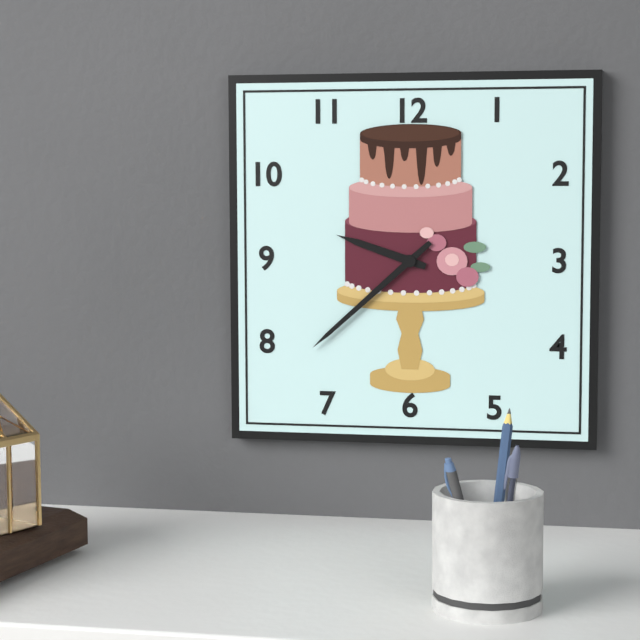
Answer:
**9:38**
